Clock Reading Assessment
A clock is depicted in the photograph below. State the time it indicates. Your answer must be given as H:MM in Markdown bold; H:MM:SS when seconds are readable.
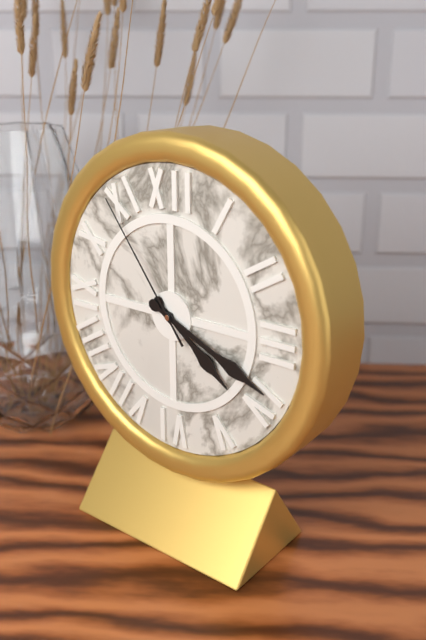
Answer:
**4:19:54**
